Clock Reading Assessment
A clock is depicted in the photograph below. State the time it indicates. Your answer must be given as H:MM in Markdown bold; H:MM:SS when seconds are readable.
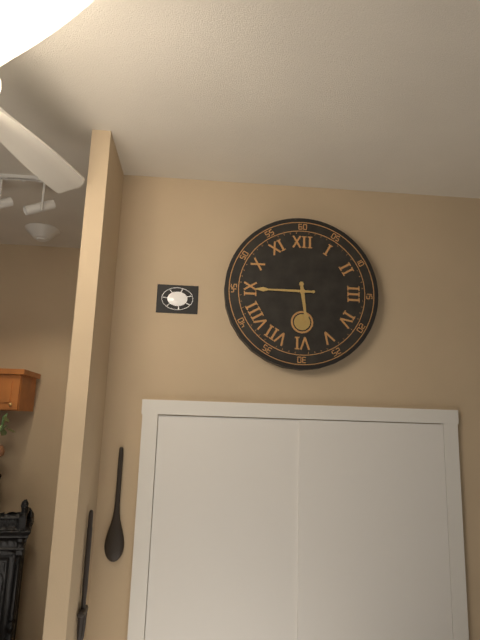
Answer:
**5:45**
